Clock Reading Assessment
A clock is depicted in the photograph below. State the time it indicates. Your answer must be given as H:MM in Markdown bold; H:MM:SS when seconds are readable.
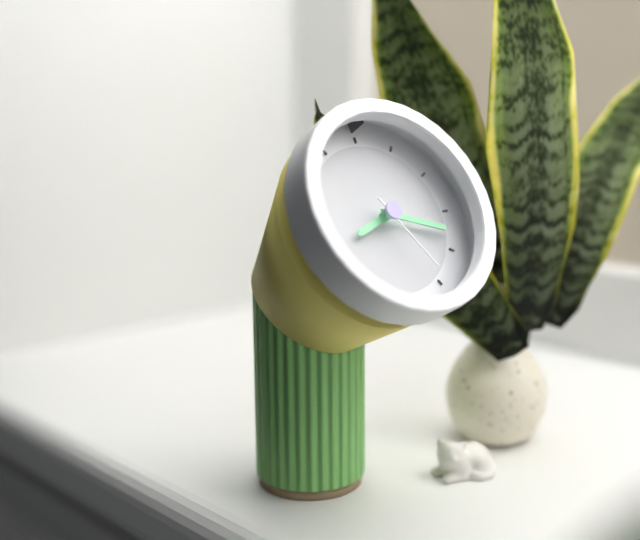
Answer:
**8:18:25**
